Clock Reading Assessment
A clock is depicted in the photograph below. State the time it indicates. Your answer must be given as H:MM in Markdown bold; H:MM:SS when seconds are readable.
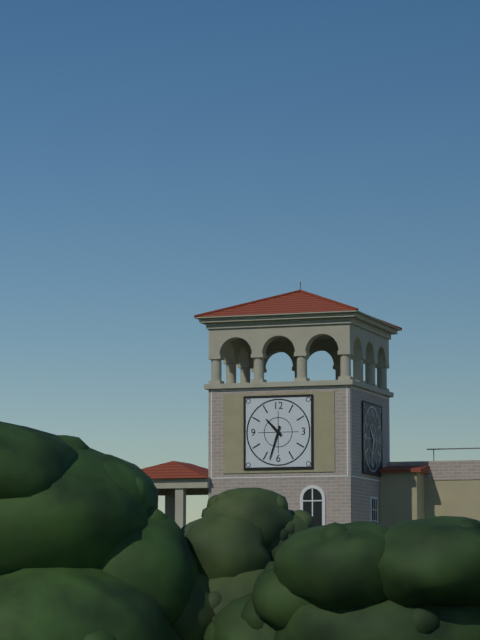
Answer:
**10:33**
